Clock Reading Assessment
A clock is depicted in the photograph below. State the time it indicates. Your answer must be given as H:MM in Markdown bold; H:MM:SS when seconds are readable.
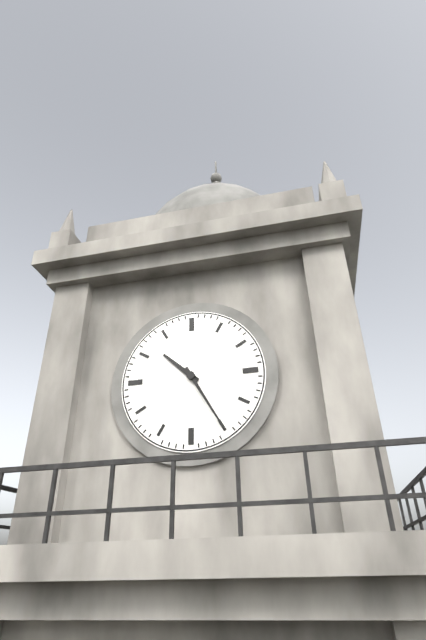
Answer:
**10:25**
